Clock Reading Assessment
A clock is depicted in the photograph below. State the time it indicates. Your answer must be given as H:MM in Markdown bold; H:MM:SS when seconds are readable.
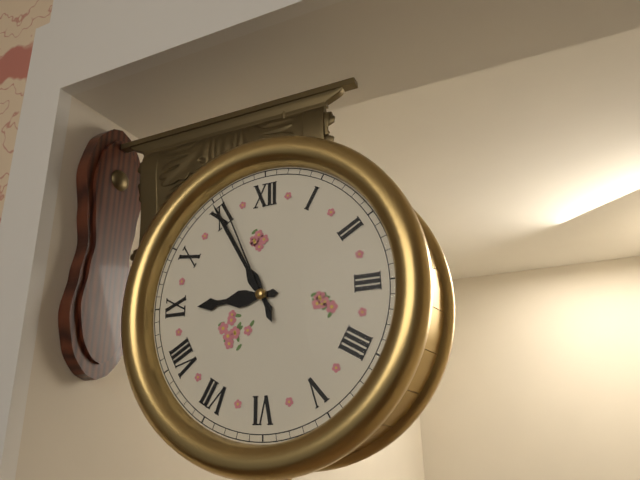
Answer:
**8:55:56**
